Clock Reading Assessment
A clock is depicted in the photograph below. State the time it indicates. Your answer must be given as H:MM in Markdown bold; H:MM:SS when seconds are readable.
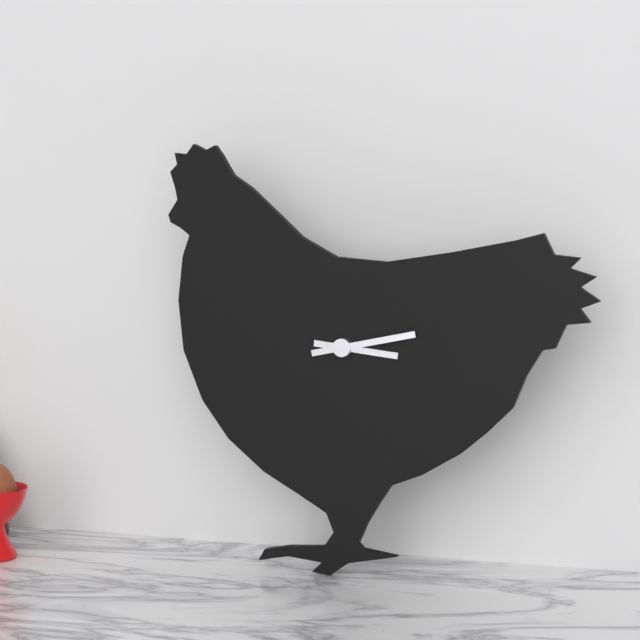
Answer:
**3:13**
